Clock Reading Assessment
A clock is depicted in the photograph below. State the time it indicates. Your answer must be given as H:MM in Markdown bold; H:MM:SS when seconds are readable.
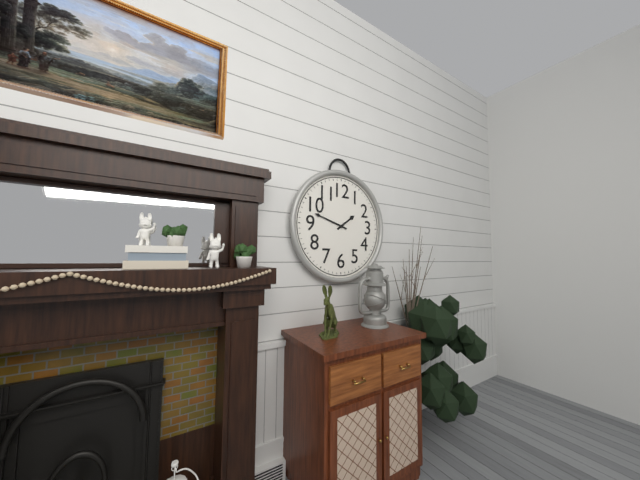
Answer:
**1:48**
